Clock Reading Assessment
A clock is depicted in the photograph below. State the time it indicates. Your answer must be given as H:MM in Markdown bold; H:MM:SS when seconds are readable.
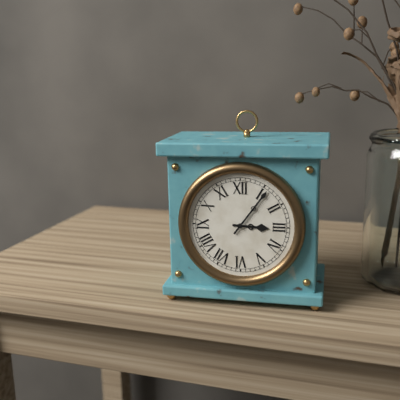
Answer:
**3:06**
